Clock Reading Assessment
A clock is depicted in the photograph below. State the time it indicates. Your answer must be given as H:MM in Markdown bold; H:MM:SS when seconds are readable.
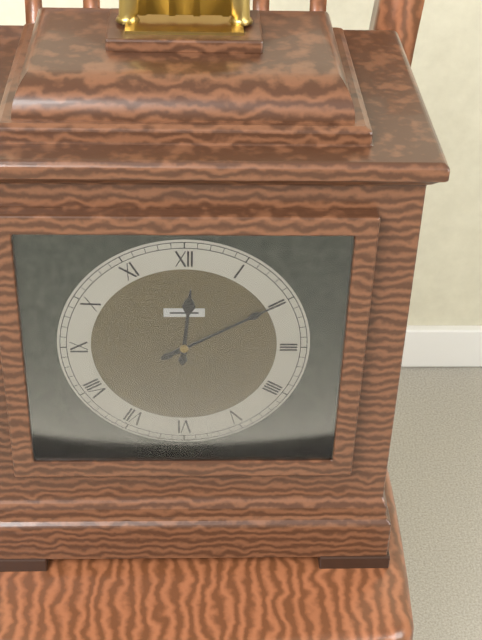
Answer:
**12:10**
